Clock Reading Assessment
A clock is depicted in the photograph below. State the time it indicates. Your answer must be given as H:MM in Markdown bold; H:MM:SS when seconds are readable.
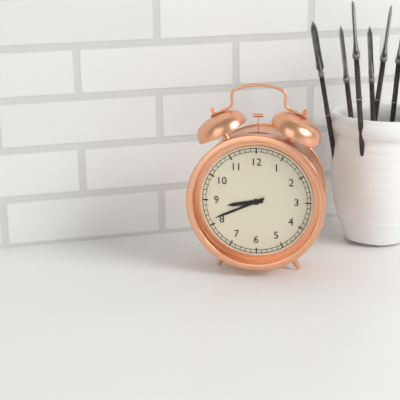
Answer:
**8:41**
